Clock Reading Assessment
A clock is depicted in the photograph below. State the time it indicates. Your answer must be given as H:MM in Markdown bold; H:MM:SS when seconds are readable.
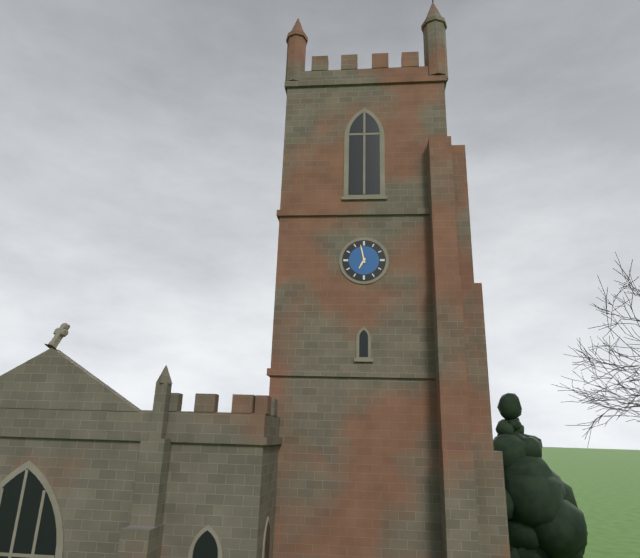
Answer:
**6:58**
